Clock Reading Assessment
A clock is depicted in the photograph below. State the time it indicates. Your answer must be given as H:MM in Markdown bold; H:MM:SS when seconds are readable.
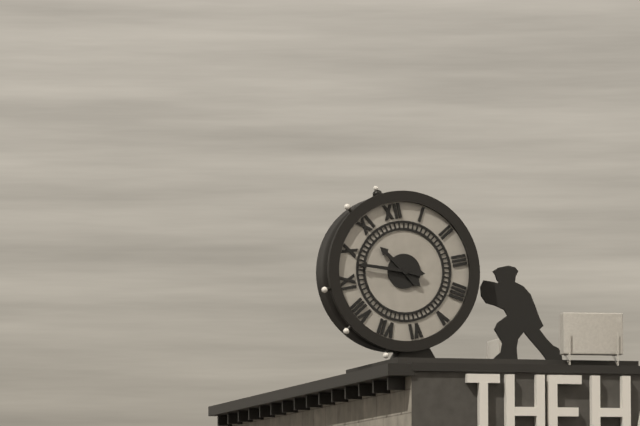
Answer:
**10:48**
